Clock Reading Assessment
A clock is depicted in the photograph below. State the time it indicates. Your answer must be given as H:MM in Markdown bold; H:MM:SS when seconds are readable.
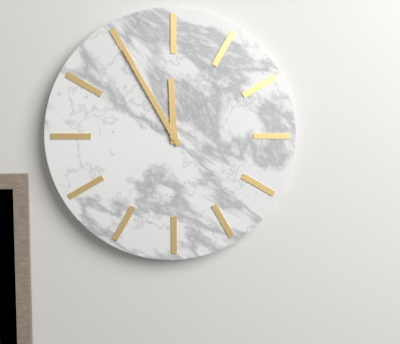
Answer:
**11:55**
